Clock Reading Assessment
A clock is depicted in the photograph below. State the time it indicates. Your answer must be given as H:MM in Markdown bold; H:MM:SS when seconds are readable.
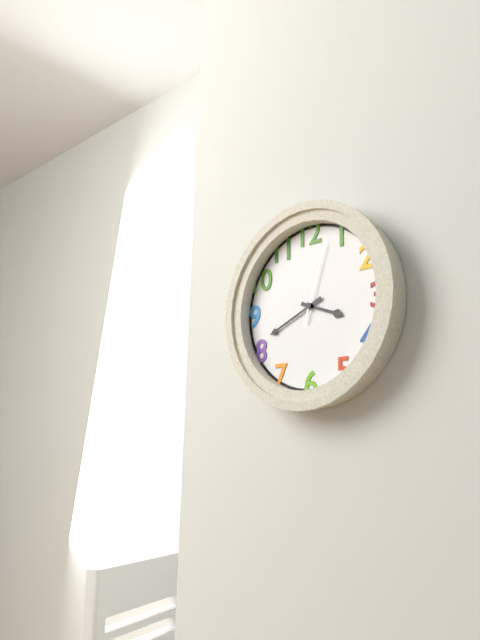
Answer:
**3:41:03**
